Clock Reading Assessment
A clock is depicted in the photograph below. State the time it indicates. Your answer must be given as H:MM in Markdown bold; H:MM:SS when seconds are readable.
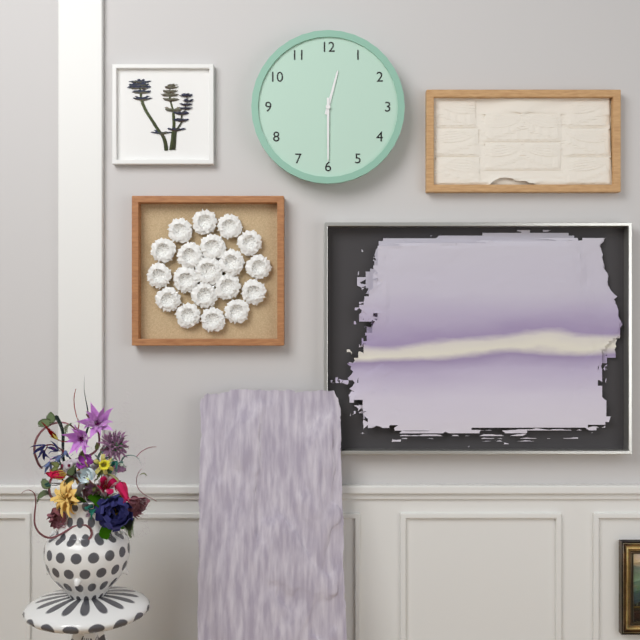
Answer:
**12:30**
